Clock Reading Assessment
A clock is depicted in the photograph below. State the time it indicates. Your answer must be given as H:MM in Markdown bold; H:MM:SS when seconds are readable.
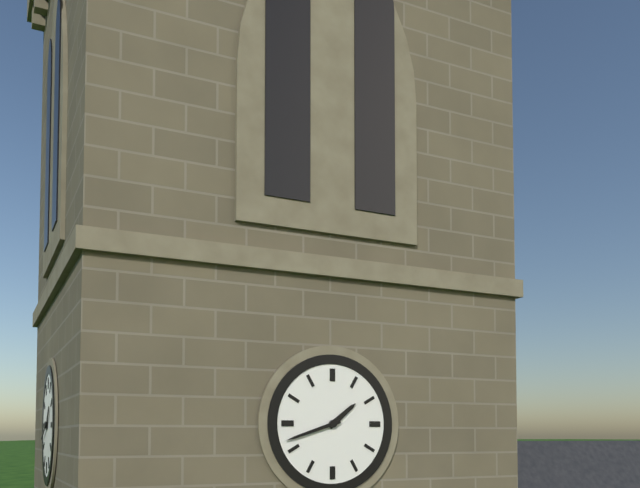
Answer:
**1:42**
